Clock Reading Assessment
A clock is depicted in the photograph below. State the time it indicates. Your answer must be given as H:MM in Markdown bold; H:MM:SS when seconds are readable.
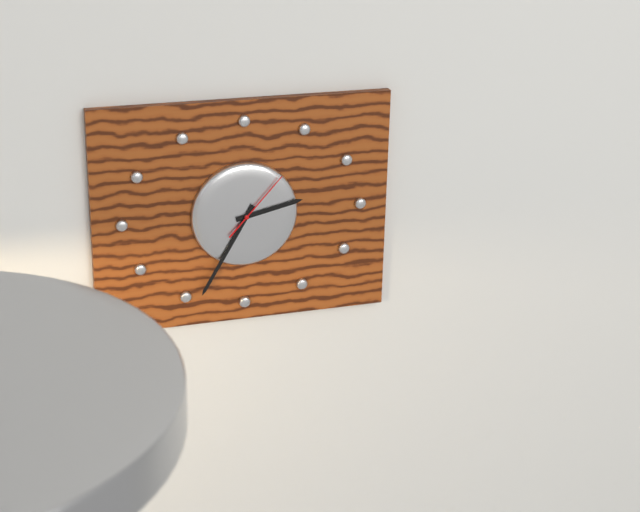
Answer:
**2:35:07**
